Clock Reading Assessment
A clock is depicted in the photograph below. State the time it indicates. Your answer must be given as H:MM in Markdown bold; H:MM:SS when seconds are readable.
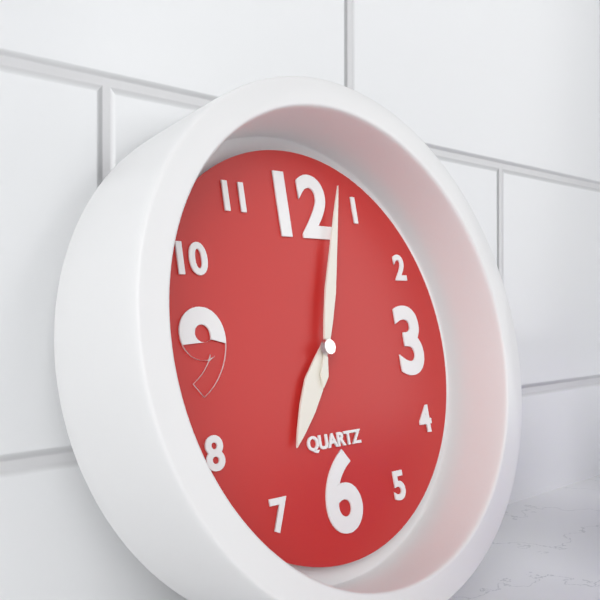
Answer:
**7:03**
